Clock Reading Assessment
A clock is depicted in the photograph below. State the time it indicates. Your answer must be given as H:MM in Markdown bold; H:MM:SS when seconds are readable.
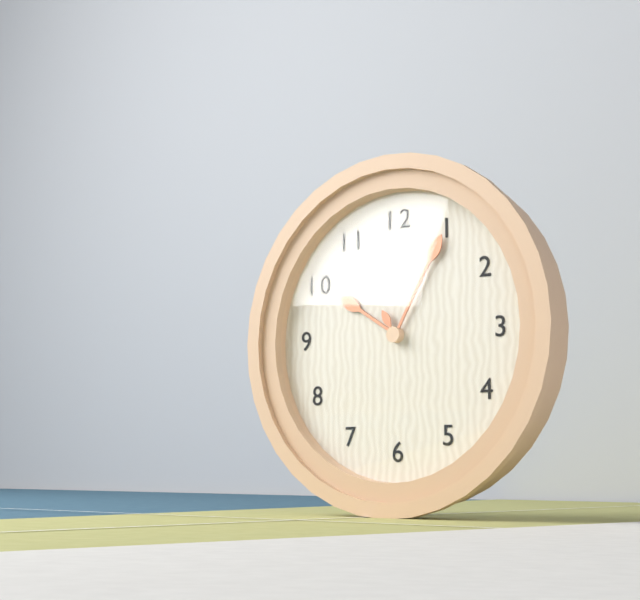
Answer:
**10:05**
